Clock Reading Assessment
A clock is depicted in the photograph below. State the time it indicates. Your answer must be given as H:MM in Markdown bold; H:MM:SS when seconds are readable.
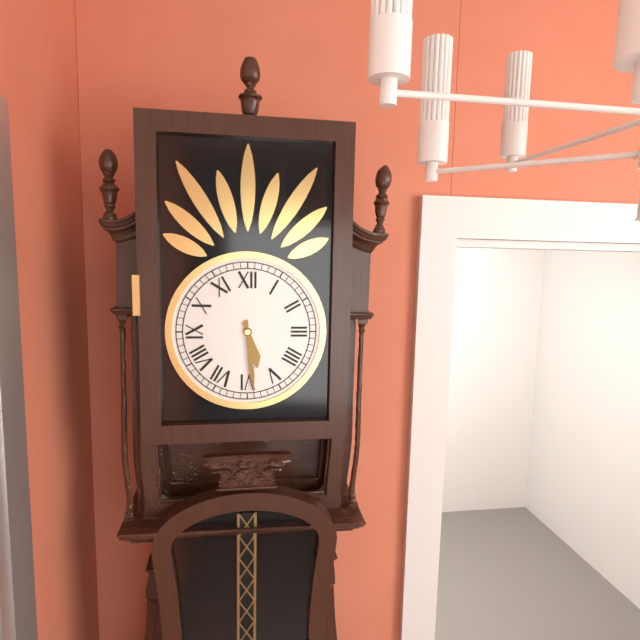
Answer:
**5:29**
